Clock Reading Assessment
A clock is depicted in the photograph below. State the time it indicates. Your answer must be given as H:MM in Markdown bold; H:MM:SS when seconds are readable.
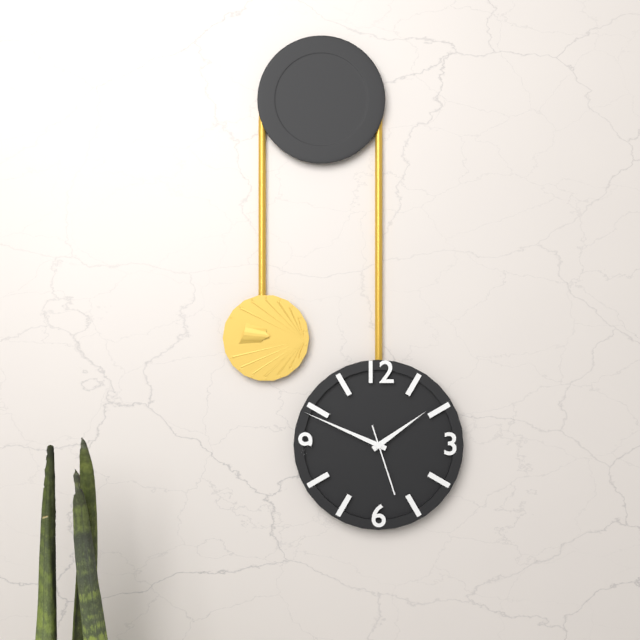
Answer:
**1:49:27**
